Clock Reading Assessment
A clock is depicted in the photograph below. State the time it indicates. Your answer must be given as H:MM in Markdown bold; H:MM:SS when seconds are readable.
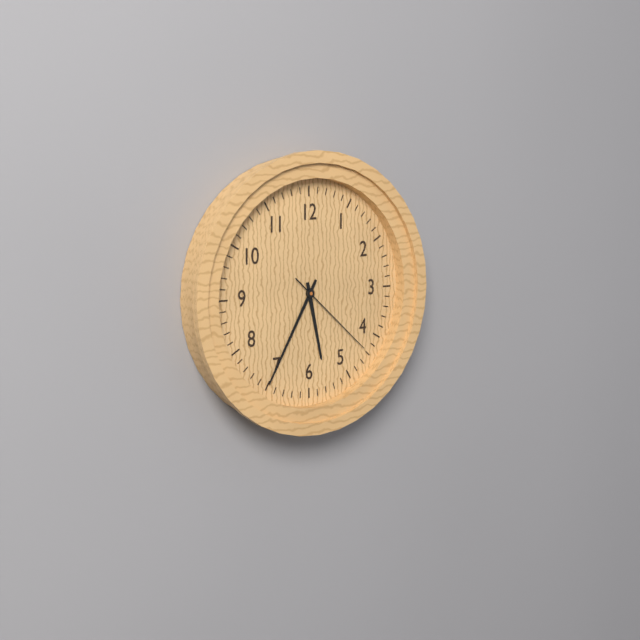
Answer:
**5:35:22**
